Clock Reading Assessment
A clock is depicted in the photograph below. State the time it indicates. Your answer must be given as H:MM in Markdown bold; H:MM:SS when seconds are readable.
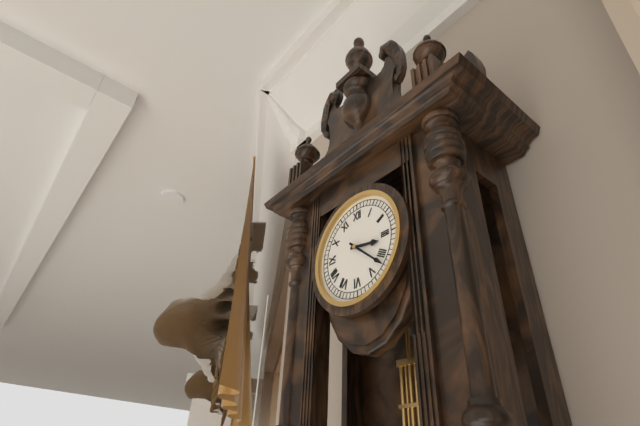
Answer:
**3:22**
